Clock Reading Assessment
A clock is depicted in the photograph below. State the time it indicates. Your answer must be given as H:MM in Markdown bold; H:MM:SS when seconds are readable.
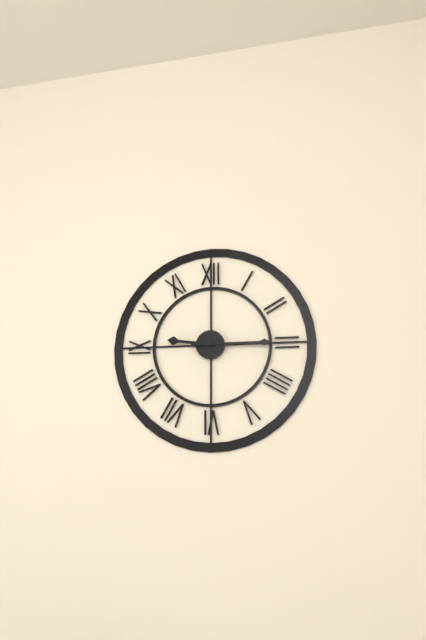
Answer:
**9:15**
